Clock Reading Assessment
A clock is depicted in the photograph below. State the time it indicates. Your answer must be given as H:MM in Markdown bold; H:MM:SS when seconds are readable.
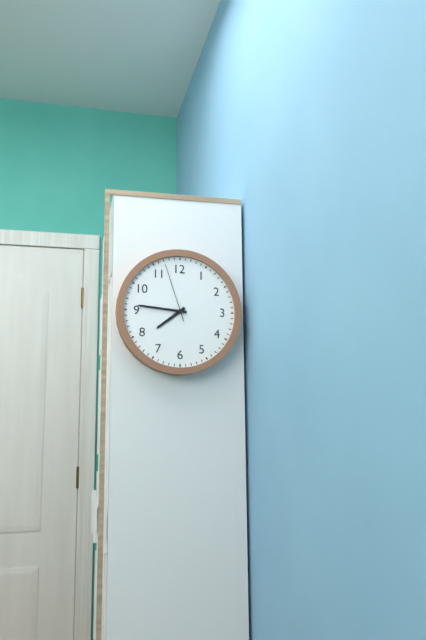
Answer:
**7:46:57**
